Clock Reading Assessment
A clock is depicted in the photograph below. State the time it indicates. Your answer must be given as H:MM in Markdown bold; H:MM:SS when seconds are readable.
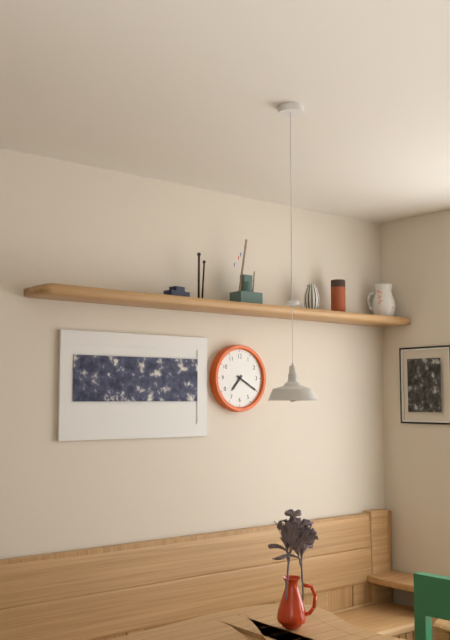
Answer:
**7:20**
